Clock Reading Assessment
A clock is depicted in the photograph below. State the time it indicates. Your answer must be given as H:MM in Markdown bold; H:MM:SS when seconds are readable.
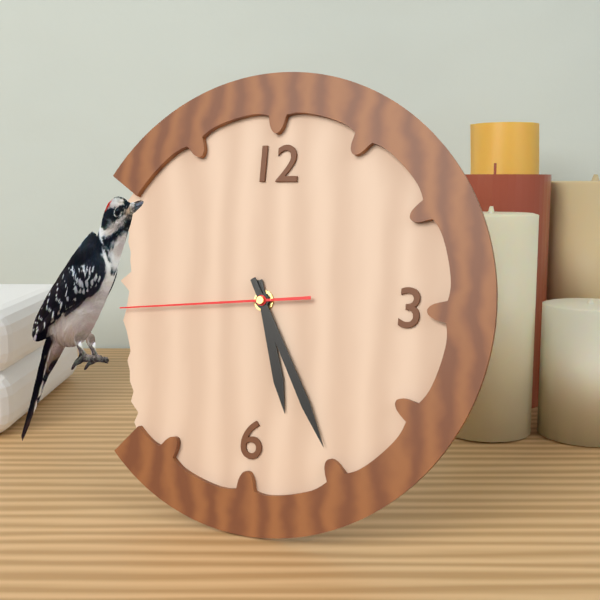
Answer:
**5:25:44**
